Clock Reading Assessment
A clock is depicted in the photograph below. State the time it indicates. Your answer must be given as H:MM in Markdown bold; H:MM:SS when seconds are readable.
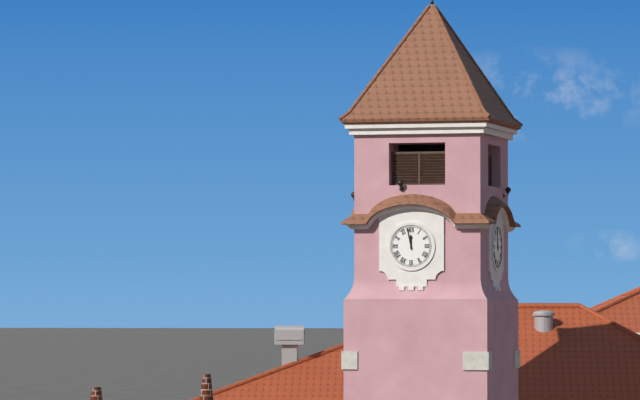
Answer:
**11:58**
